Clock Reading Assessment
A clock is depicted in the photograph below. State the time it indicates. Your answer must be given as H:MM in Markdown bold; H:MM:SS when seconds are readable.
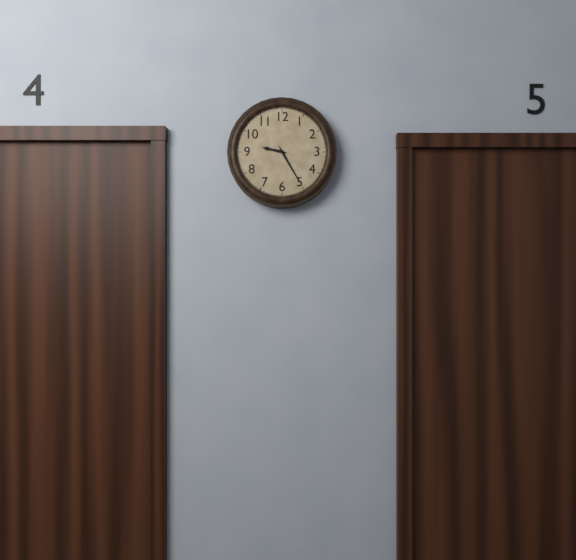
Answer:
**9:25**
